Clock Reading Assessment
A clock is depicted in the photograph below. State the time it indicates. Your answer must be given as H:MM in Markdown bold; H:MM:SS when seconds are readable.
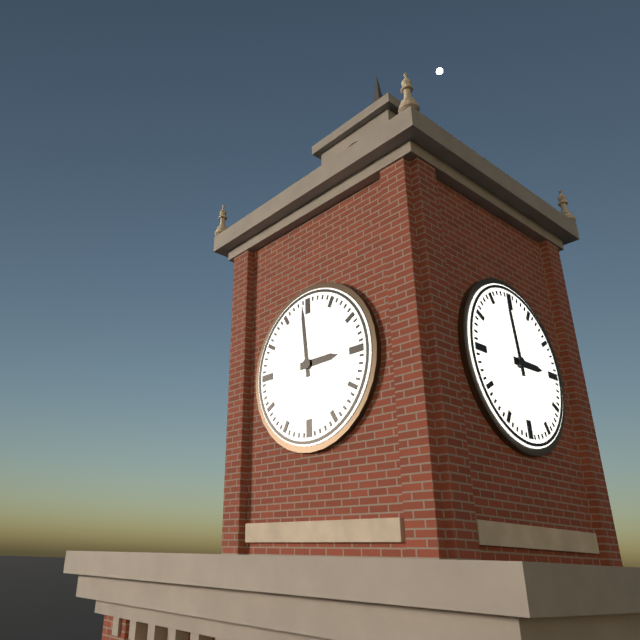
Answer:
**2:59**
